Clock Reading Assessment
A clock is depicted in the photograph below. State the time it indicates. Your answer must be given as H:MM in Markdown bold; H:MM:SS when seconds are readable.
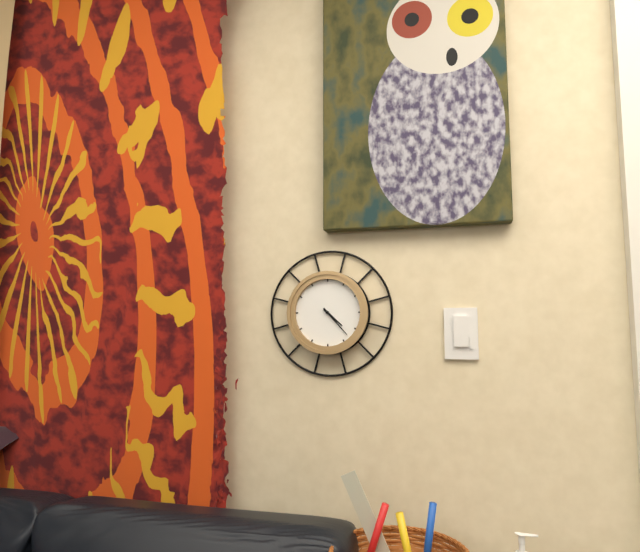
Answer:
**4:23**
